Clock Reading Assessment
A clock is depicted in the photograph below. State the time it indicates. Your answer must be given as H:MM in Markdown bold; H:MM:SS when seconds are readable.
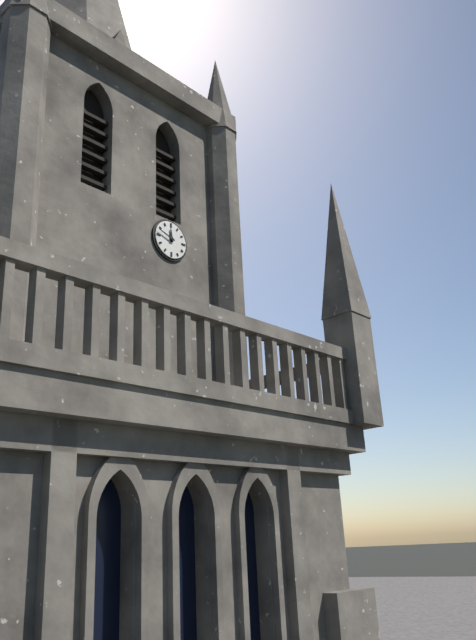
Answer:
**11:48**
